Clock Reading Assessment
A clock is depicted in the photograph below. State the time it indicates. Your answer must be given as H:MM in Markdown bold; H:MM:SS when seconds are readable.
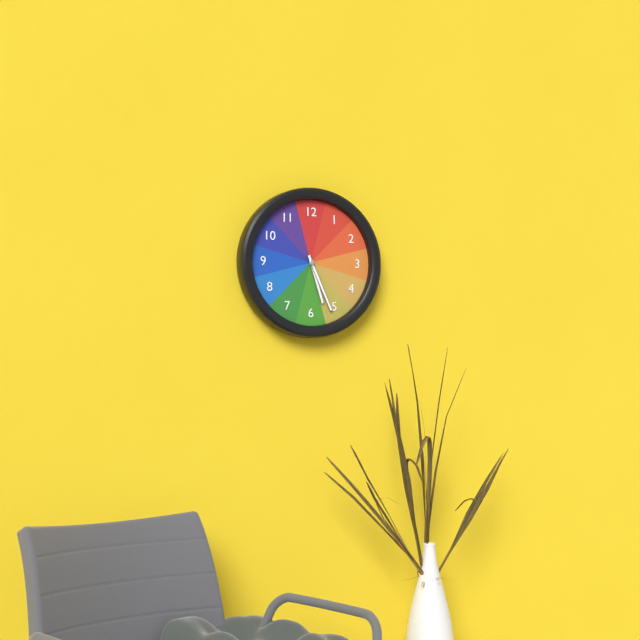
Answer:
**5:26**
